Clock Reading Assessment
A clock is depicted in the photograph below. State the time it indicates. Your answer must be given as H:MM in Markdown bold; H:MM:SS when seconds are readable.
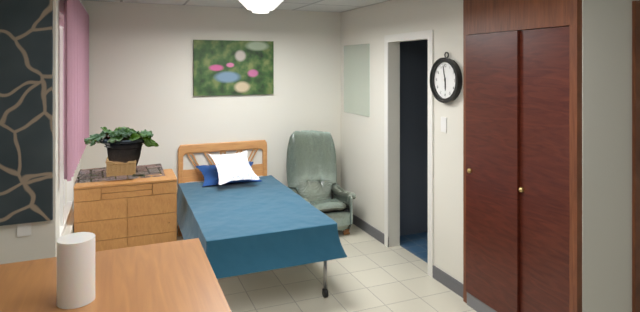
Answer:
**5:58**
